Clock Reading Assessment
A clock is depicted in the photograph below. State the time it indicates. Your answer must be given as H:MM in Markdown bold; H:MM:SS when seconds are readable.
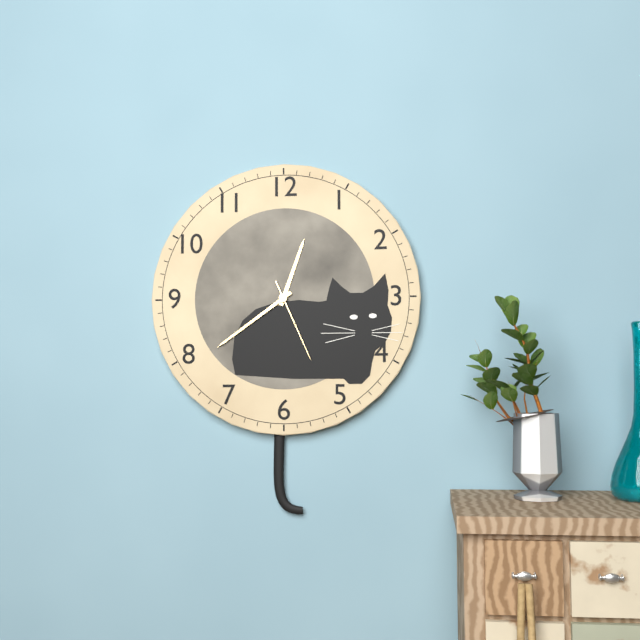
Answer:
**12:39:26**
